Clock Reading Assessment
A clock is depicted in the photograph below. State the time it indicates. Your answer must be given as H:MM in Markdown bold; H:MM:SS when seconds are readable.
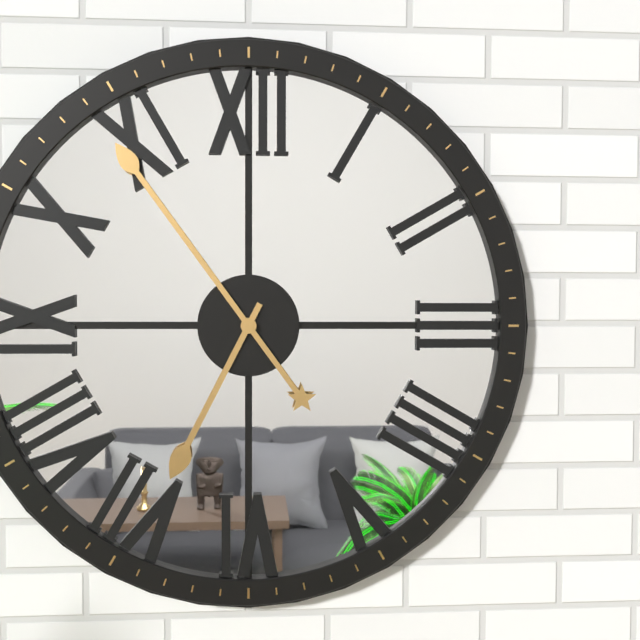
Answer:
**6:54**
